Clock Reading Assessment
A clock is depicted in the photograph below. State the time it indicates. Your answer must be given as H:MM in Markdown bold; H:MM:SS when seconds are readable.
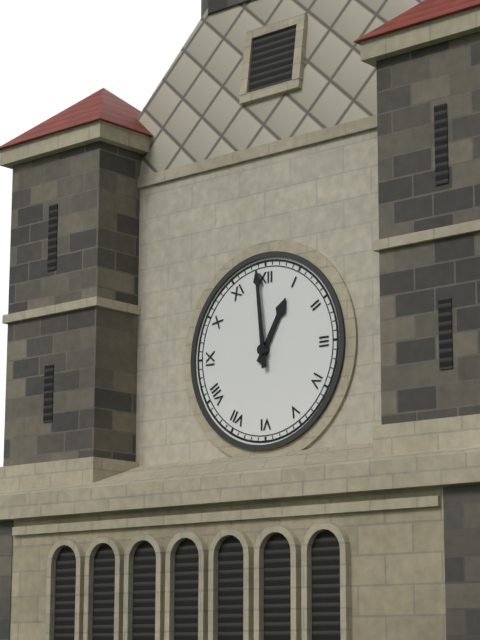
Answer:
**12:59**
